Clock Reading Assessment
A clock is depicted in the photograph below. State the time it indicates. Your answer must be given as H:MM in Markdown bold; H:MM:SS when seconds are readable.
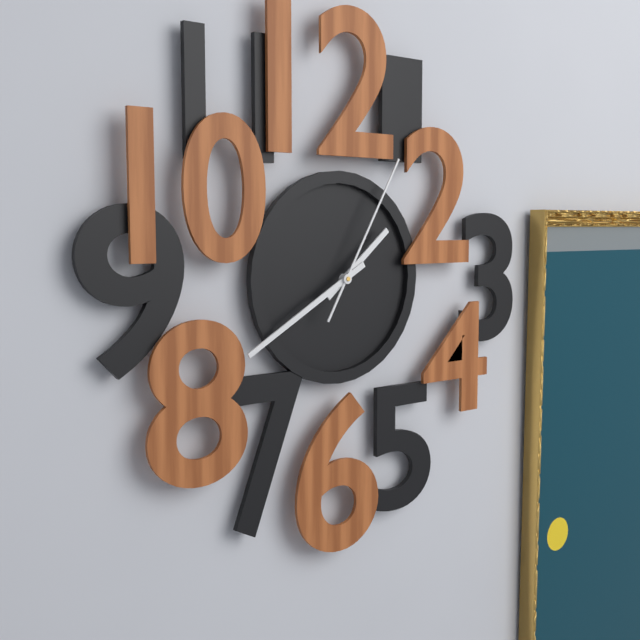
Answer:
**1:40:05**
